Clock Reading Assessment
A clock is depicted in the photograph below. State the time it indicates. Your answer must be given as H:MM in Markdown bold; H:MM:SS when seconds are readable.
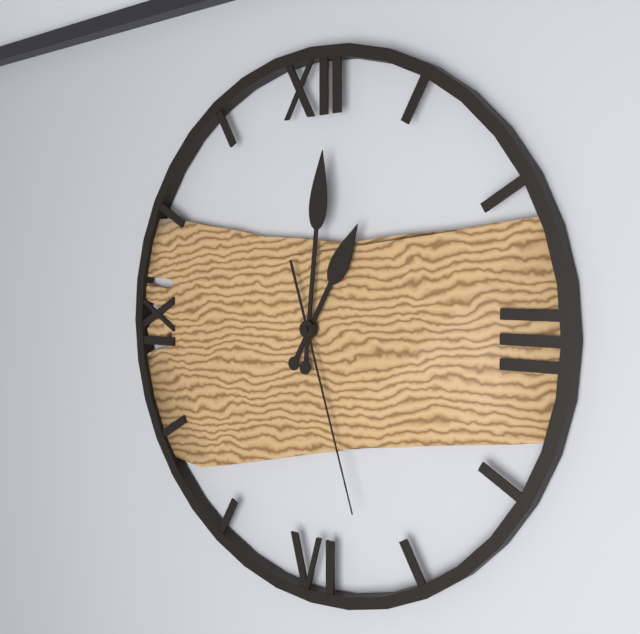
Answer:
**1:01:27**
